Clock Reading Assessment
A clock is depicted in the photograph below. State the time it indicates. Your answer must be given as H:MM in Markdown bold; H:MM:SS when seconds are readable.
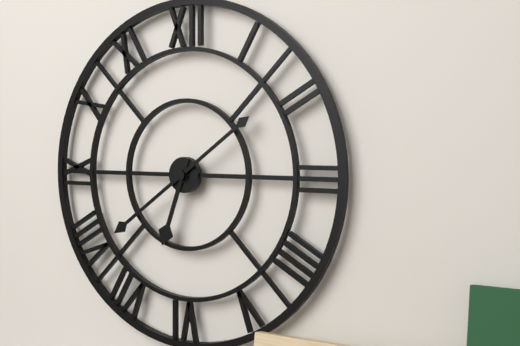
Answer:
**6:39**
